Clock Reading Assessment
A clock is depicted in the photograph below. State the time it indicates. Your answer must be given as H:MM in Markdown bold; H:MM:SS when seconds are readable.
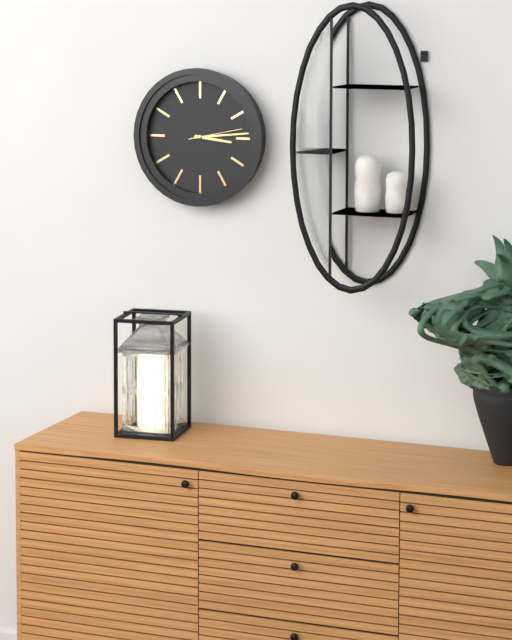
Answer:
**3:14:13**
